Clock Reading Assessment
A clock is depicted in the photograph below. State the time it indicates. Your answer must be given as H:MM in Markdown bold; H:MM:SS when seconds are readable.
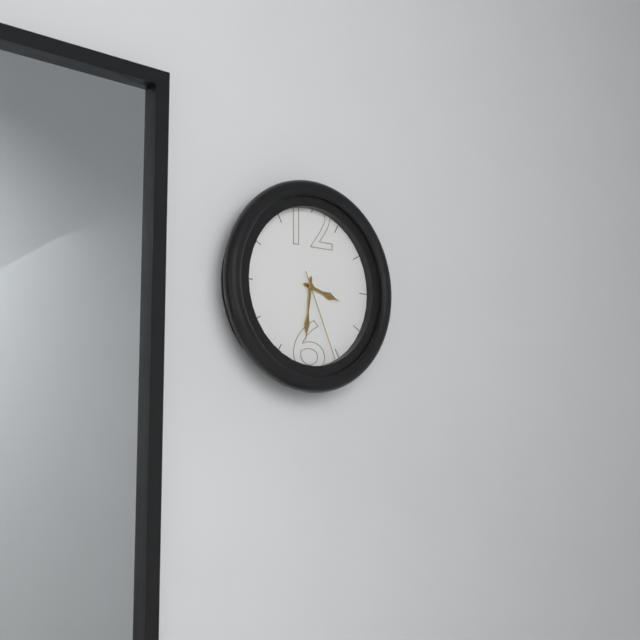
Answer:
**3:31:26**
